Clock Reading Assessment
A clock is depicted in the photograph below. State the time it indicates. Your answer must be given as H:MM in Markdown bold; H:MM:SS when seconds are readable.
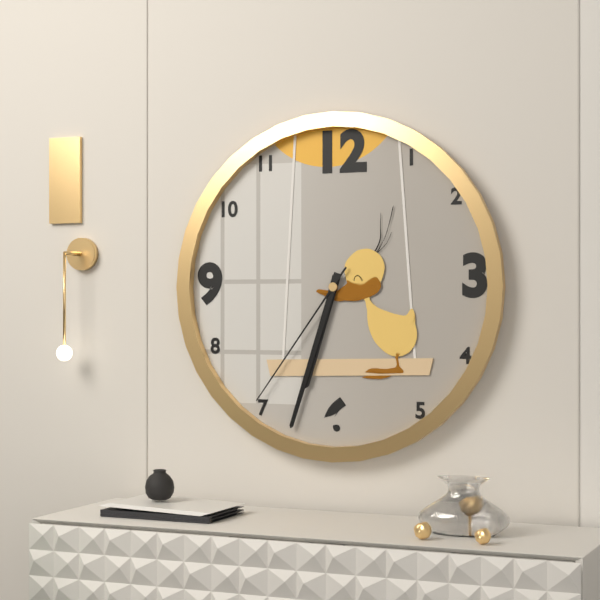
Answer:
**6:33:36**
